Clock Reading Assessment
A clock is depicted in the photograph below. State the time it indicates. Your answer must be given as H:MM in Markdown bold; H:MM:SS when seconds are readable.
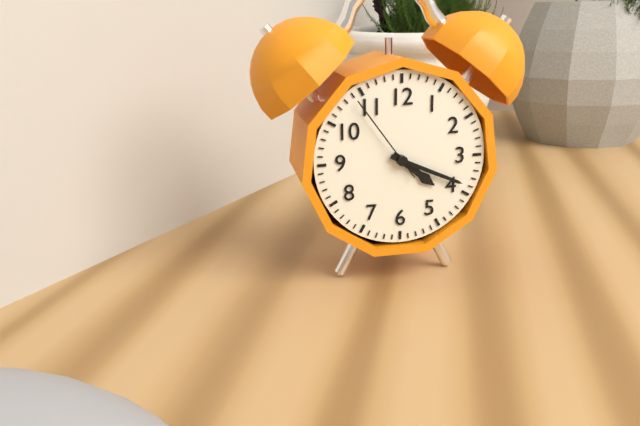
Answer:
**4:19:54**
